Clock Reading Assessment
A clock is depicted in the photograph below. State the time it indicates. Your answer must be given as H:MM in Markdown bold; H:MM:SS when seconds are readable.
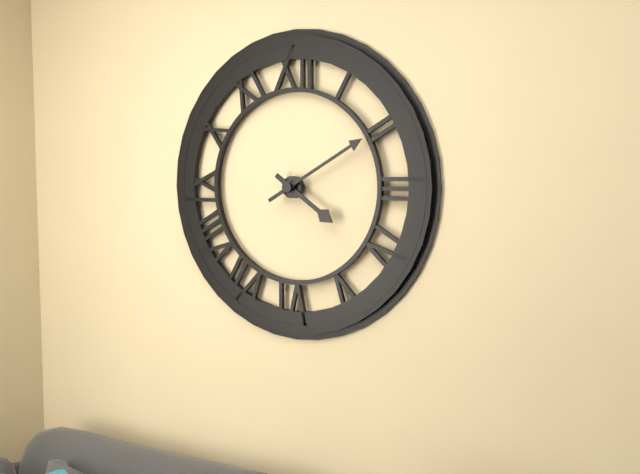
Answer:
**4:10**
